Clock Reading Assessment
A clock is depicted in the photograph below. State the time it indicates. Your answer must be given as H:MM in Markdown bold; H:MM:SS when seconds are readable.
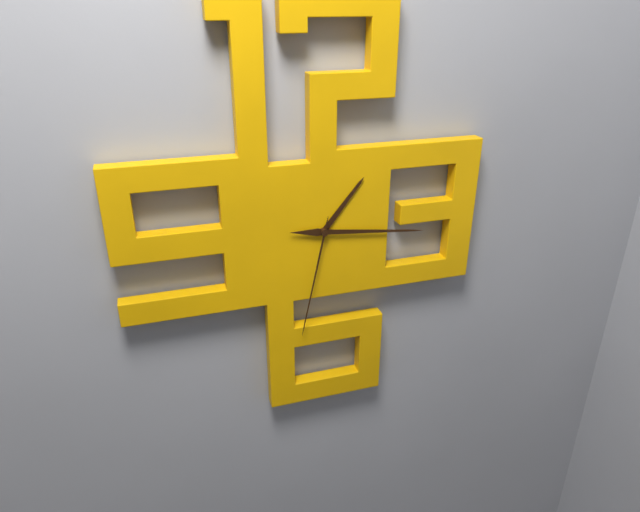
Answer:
**1:16:32**
